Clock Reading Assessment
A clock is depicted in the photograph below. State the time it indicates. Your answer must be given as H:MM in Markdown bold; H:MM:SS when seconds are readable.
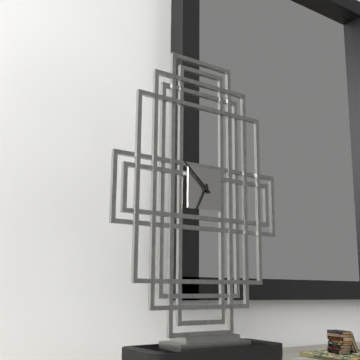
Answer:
**6:52**
